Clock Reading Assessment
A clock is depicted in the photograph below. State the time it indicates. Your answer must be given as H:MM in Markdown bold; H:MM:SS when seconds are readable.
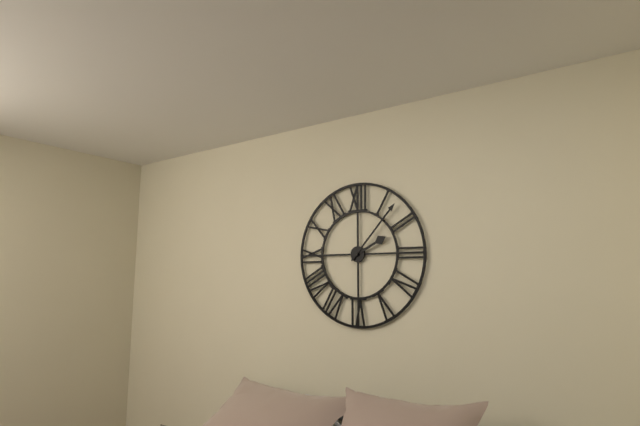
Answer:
**2:07**
